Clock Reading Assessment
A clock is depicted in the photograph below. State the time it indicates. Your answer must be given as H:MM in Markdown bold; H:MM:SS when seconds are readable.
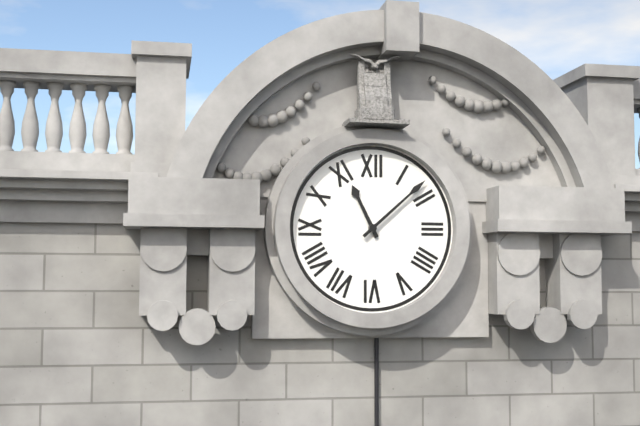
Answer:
**11:08**
